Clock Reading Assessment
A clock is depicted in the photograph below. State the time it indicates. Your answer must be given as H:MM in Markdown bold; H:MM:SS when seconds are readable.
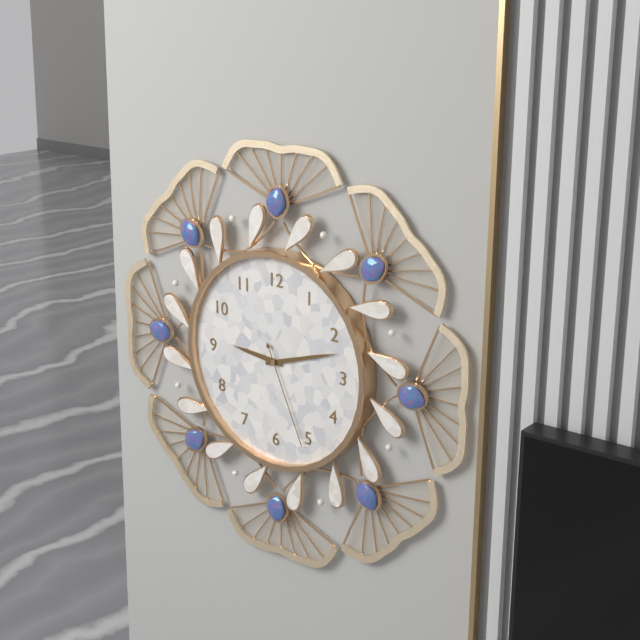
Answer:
**9:12:26**
